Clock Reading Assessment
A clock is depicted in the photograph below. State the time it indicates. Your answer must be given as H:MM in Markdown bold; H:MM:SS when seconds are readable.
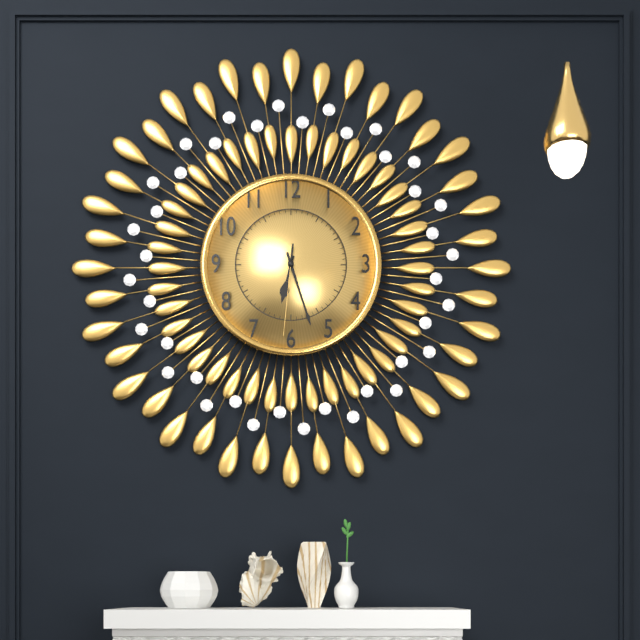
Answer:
**6:27:31**
